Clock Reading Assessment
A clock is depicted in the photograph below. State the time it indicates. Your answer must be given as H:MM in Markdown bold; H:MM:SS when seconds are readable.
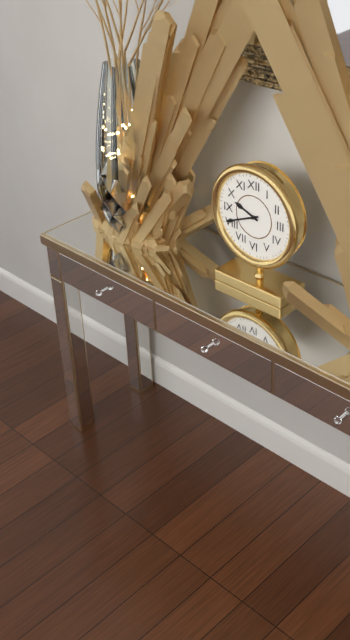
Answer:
**9:41**
